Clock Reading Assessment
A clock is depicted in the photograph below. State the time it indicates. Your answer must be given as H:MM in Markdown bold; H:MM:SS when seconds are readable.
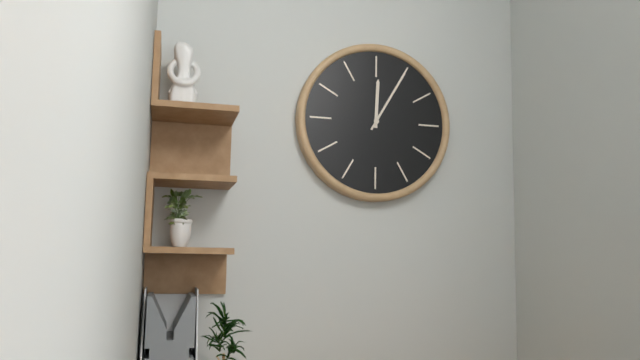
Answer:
**12:05**
